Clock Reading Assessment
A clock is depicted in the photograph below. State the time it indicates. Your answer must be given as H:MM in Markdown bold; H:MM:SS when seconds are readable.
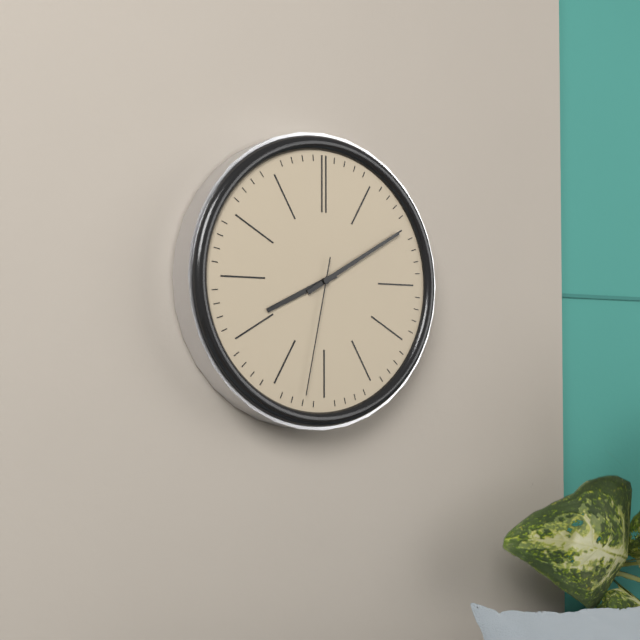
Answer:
**8:10:32**
